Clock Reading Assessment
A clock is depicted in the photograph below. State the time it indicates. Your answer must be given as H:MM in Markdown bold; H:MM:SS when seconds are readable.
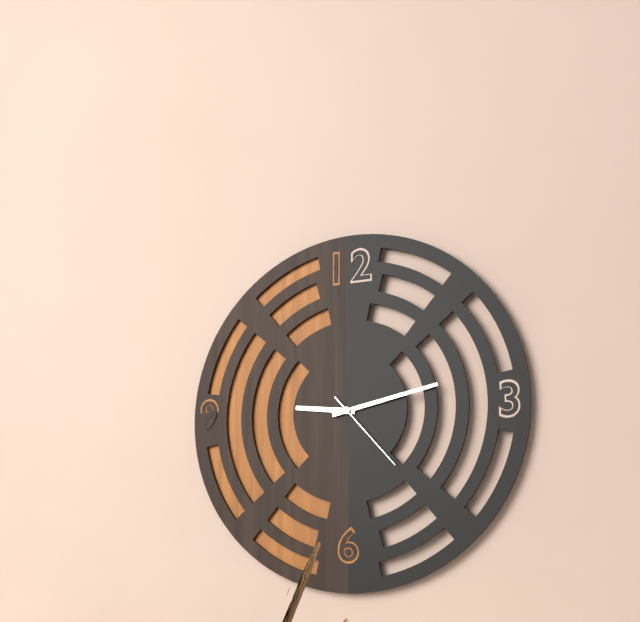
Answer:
**9:13:23**
